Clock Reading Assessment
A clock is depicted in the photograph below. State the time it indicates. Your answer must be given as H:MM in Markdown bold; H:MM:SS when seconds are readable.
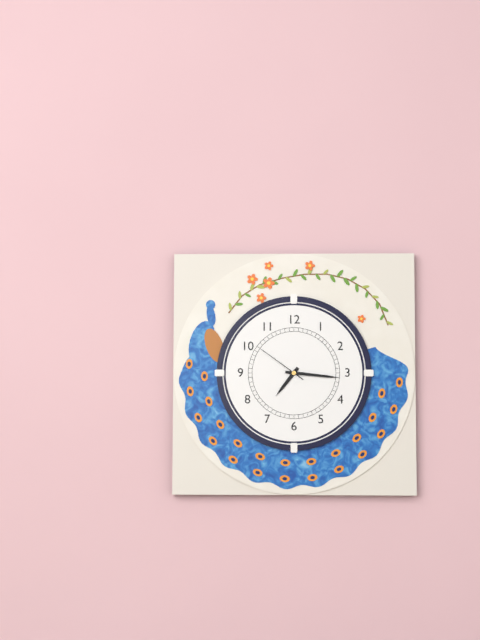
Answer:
**7:16:51**
